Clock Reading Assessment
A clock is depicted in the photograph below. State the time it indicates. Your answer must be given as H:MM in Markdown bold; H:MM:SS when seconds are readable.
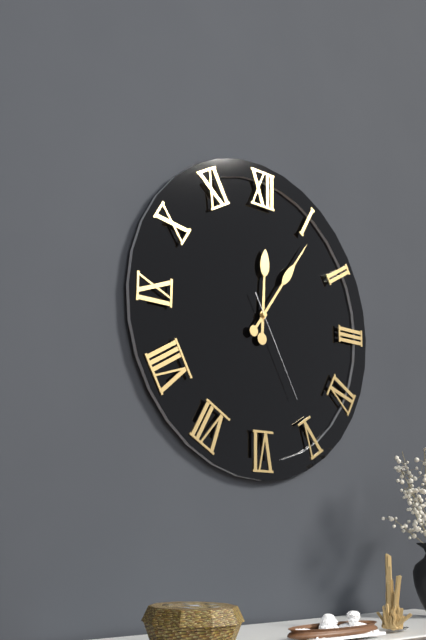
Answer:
**12:06:25**
